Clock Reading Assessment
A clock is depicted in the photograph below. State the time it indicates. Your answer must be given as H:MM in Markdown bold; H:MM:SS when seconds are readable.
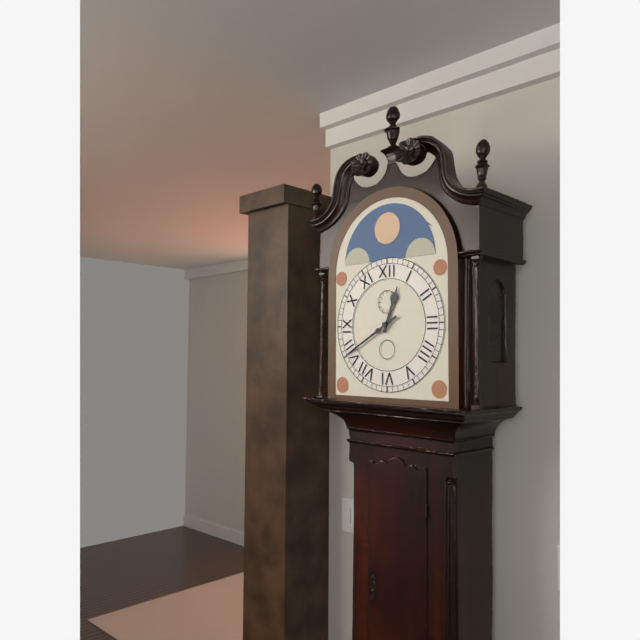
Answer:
**12:40**
